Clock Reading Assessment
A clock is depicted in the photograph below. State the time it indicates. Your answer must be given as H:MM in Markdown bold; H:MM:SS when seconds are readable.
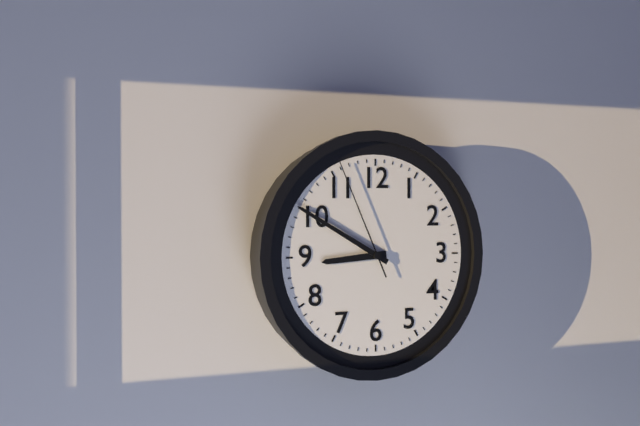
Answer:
**8:50:56**
